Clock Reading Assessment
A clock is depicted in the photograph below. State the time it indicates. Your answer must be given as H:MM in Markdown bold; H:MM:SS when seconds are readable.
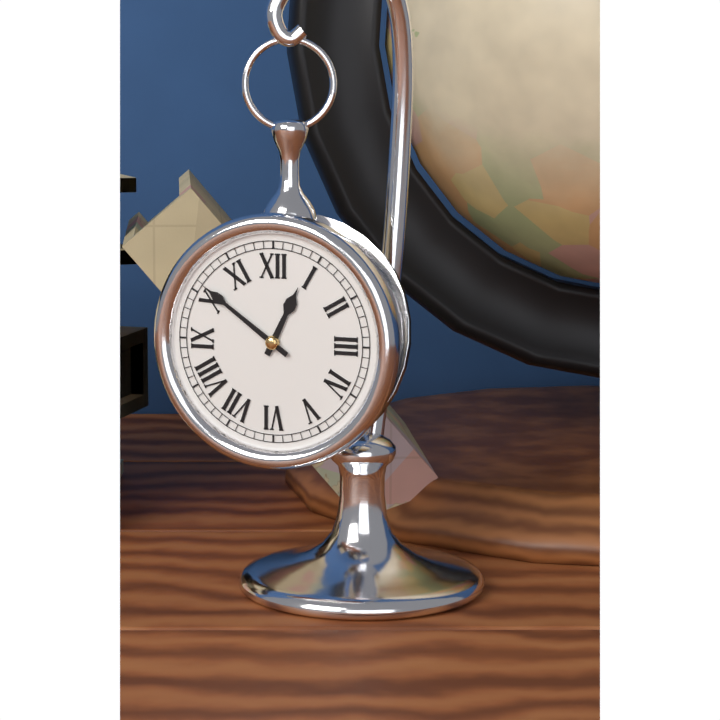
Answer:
**12:51**
